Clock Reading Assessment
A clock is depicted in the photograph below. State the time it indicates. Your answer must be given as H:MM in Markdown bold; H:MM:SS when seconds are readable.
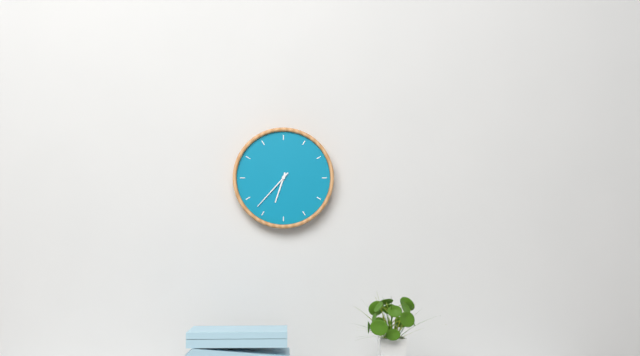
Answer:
**6:37**
